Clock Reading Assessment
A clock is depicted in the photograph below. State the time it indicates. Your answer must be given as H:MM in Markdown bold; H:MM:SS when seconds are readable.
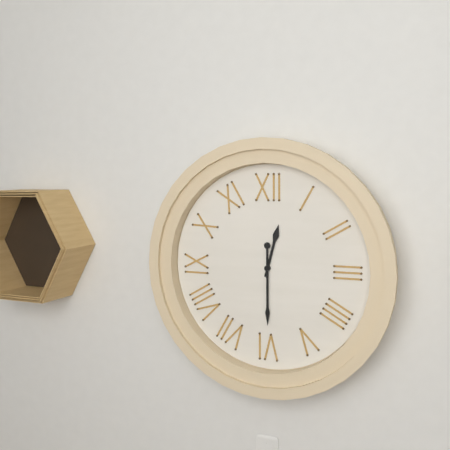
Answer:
**12:30**
